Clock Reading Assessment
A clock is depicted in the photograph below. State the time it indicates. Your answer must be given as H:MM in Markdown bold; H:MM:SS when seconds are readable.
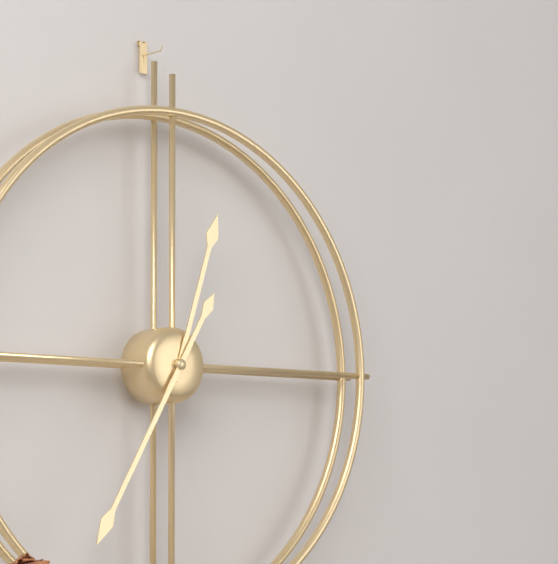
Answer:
**12:35**
